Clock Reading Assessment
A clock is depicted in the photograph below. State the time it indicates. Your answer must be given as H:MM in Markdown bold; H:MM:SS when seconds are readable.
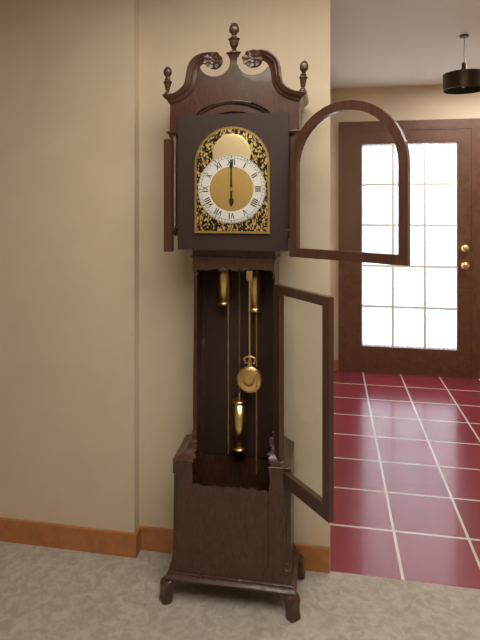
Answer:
**6:00**
